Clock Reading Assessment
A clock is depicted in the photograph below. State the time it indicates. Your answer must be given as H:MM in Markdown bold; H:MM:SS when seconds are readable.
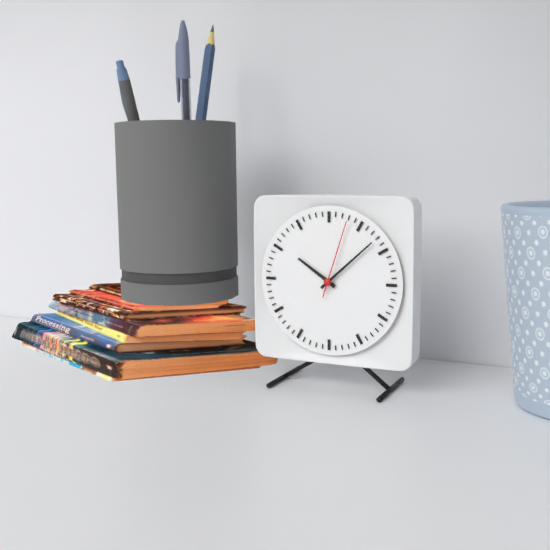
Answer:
**10:08:03**
